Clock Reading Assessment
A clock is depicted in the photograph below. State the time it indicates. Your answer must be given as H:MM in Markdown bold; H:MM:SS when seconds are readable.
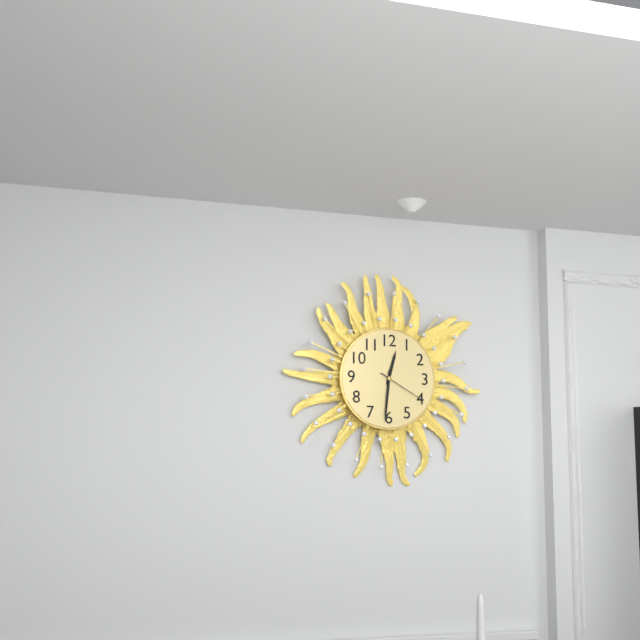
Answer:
**12:31:20**
